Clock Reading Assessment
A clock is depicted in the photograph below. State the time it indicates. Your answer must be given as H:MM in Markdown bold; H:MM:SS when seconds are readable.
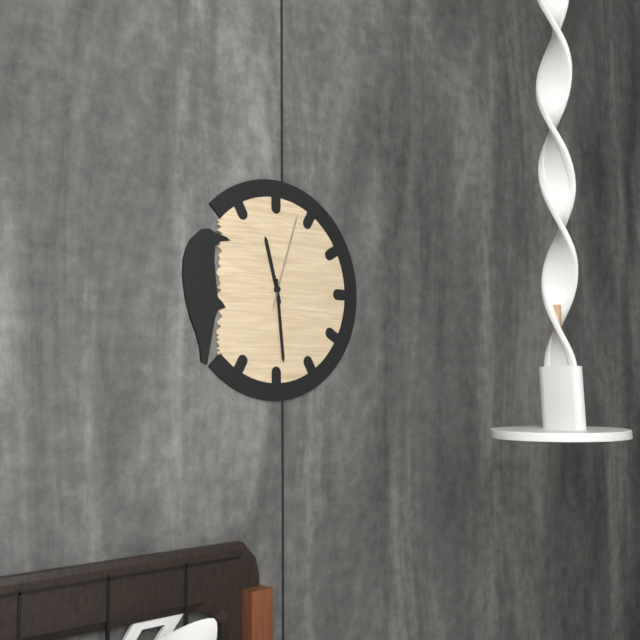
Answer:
**11:29:03**
